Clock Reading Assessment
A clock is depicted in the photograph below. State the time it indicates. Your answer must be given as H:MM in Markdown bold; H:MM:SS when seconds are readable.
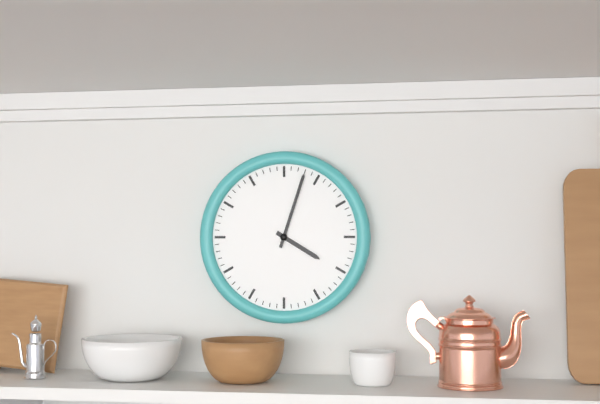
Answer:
**4:03**
